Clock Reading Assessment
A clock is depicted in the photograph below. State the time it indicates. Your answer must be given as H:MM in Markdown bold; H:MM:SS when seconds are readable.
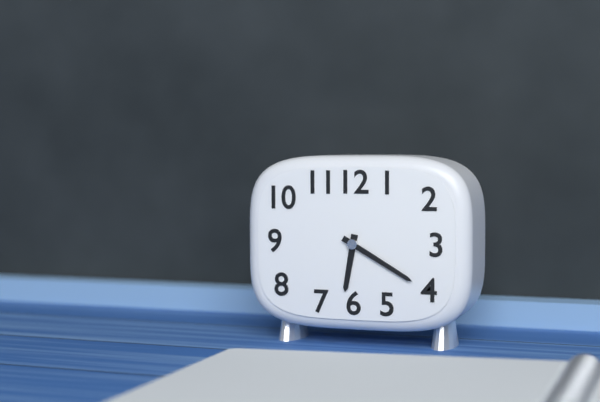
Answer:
**6:20**
